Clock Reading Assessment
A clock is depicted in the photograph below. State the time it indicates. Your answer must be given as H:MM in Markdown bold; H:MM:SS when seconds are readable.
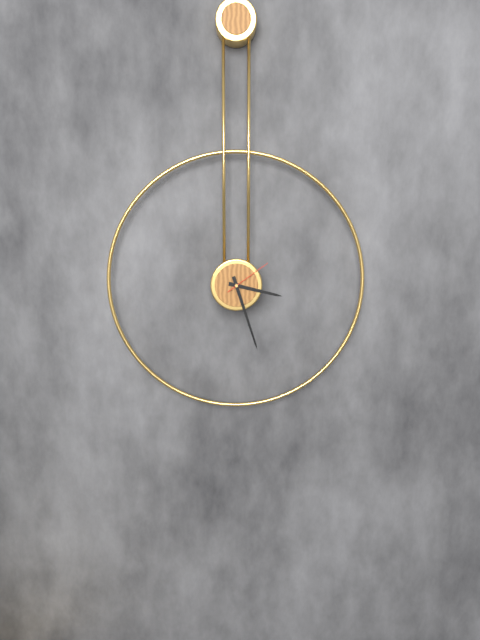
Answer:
**3:27**
